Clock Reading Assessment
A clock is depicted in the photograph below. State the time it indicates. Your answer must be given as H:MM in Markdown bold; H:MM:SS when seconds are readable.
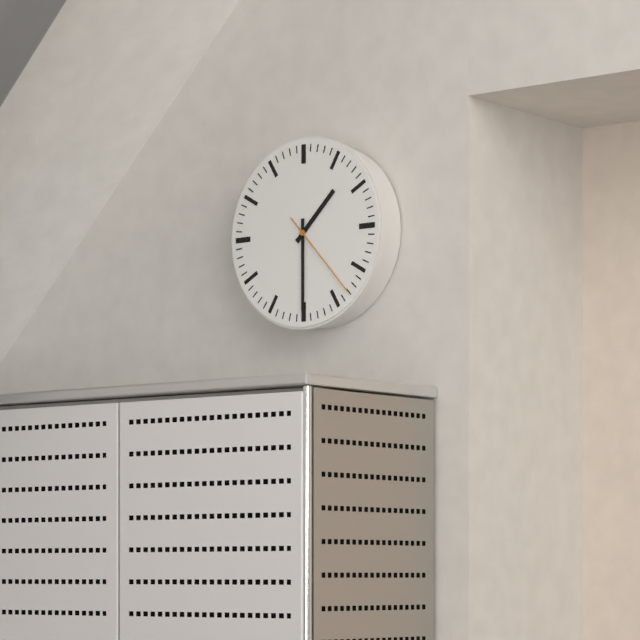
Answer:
**1:30:23**
